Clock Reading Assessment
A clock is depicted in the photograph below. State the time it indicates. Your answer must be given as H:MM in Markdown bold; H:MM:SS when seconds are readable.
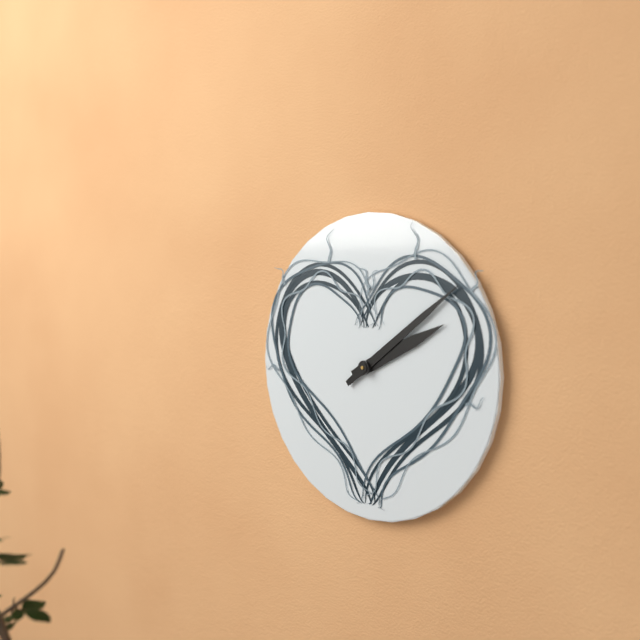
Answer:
**2:09**
